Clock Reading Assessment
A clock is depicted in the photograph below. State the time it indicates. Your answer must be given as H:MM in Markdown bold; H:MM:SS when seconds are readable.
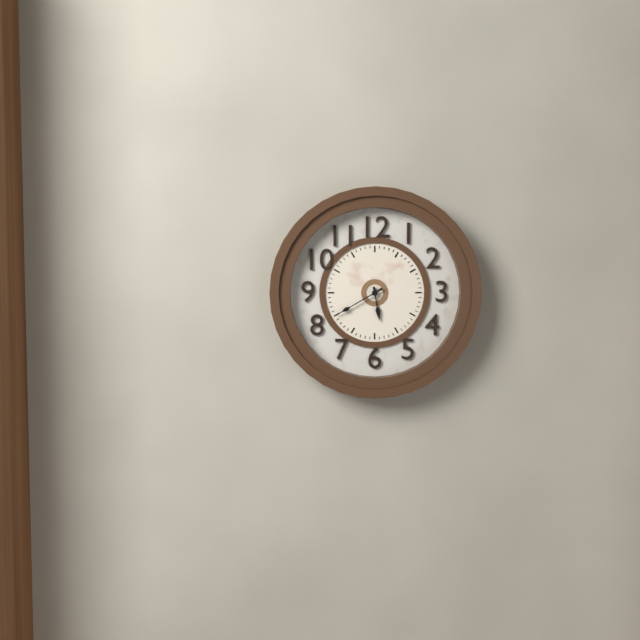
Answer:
**5:40**
